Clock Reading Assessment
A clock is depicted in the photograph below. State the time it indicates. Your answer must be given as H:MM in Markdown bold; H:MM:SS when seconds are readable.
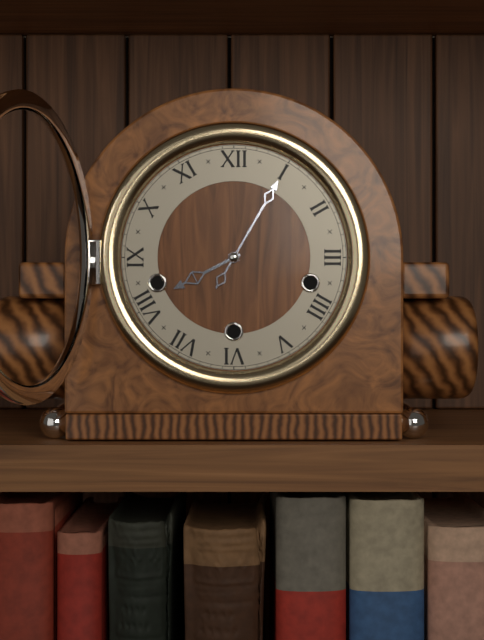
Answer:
**8:05**
